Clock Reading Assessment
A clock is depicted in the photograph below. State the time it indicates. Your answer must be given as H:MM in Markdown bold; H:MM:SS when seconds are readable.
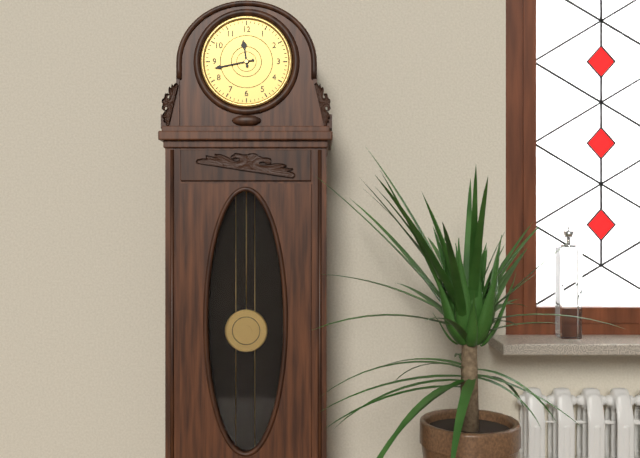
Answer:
**11:43**
